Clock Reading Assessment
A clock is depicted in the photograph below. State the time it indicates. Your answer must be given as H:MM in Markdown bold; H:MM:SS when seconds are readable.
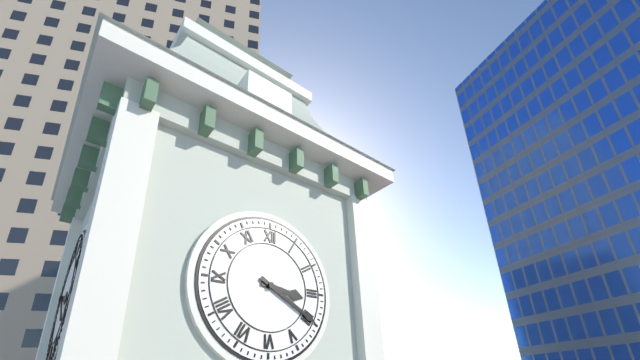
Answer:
**3:20**
